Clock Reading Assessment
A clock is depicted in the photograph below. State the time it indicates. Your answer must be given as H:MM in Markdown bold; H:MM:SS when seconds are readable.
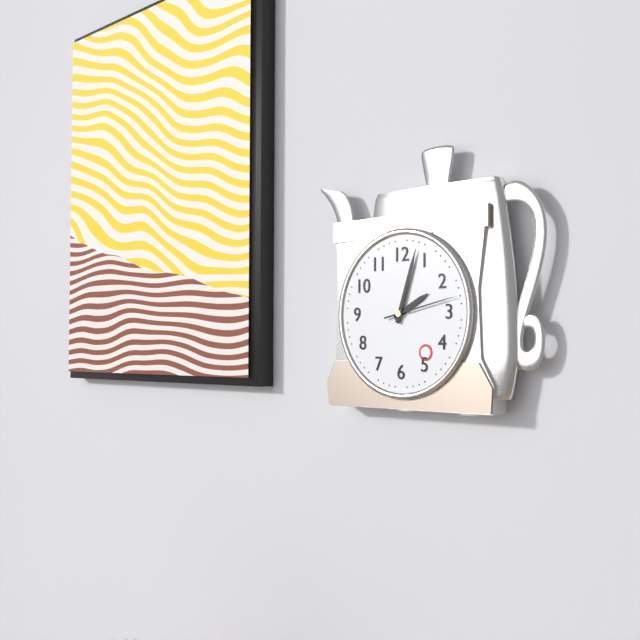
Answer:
**2:03:13**
